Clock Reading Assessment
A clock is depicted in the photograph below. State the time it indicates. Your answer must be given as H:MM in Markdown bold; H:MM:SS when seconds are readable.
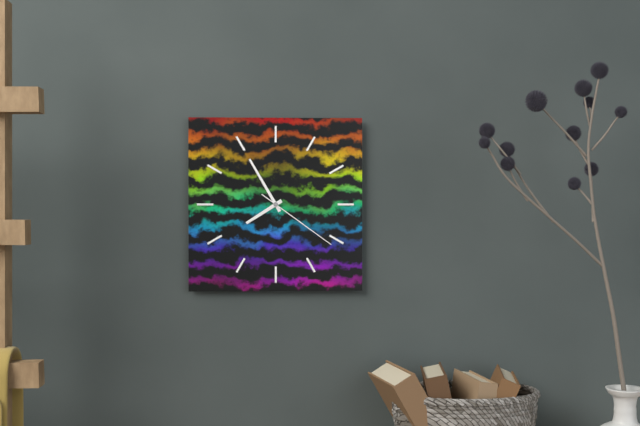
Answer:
**7:55:21**
